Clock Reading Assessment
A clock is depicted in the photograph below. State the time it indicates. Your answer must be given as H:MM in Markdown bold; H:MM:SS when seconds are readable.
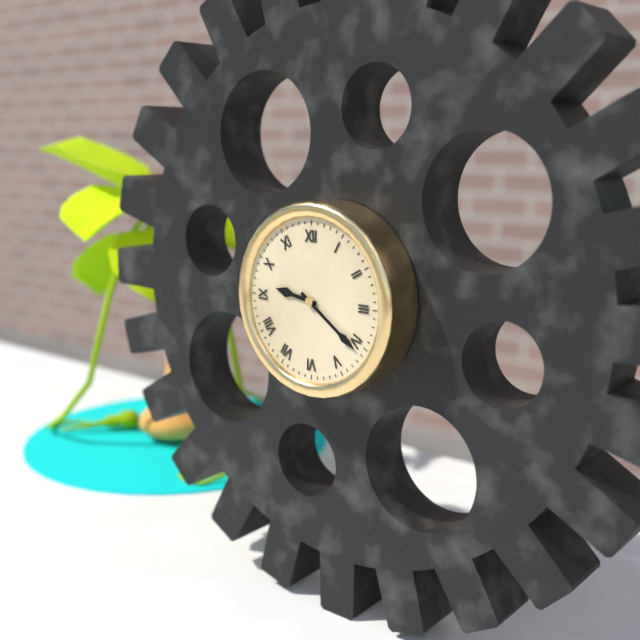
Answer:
**9:21**
